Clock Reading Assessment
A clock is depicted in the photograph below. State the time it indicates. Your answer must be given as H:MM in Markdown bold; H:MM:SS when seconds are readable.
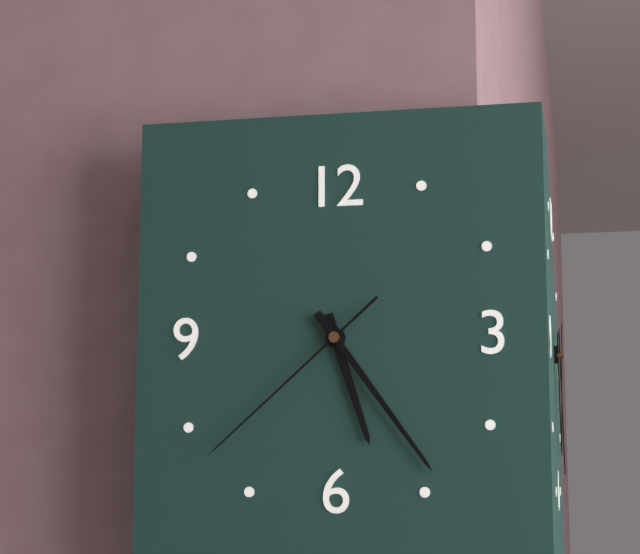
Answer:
**5:24:38**
